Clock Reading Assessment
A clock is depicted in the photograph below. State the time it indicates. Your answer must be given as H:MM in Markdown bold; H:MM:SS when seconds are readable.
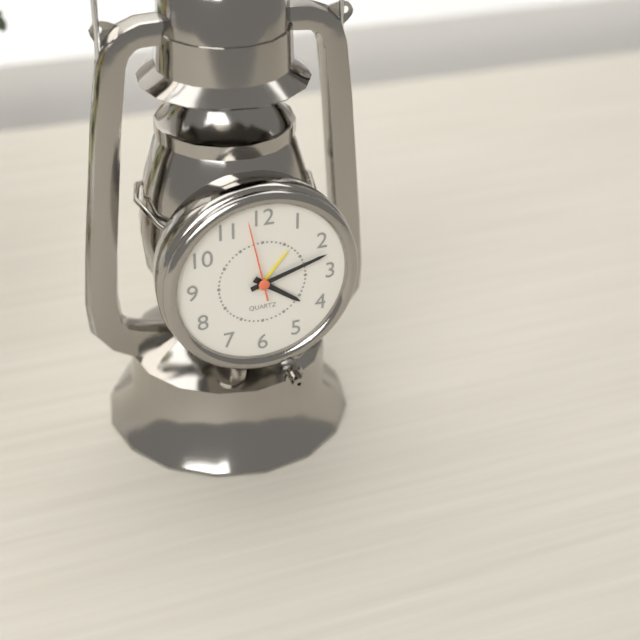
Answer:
**4:12:58**
